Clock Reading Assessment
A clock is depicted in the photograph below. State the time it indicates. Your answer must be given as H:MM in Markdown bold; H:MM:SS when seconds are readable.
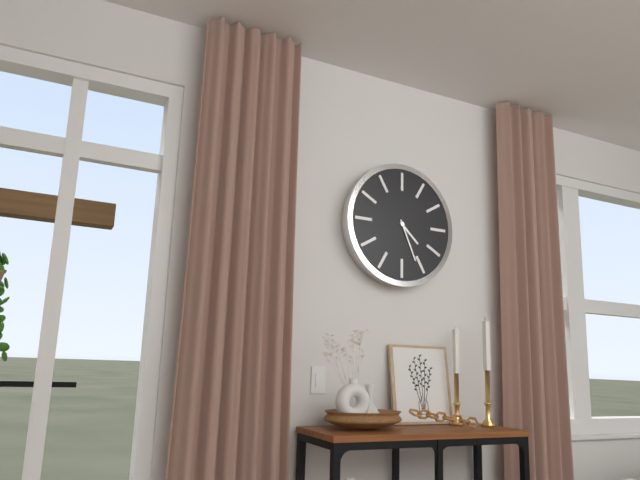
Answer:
**4:26**
